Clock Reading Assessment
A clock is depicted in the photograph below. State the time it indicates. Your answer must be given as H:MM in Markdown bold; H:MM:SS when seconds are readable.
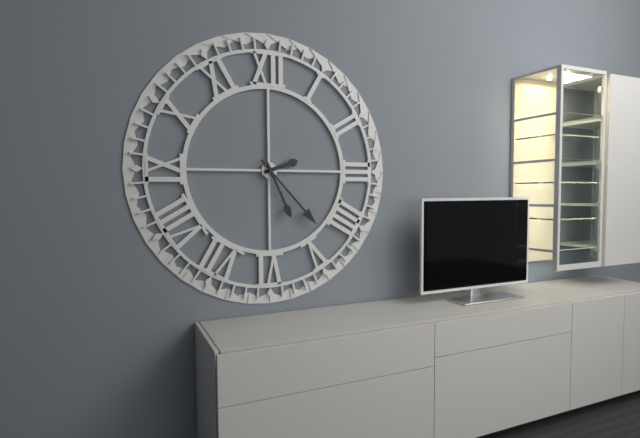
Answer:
**2:23:26**
